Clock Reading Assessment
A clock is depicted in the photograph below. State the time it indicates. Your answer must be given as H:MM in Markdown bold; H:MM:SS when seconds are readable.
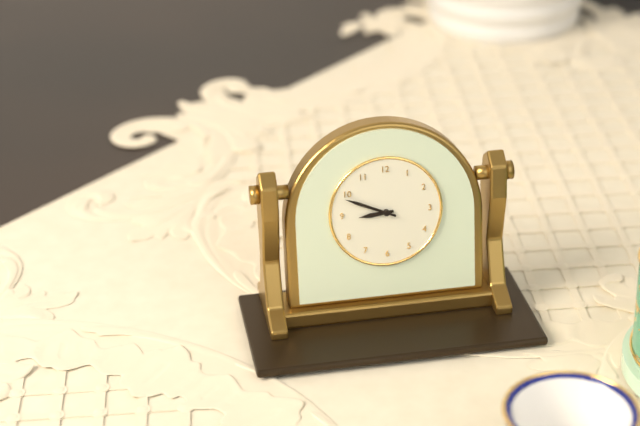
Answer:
**8:49**
